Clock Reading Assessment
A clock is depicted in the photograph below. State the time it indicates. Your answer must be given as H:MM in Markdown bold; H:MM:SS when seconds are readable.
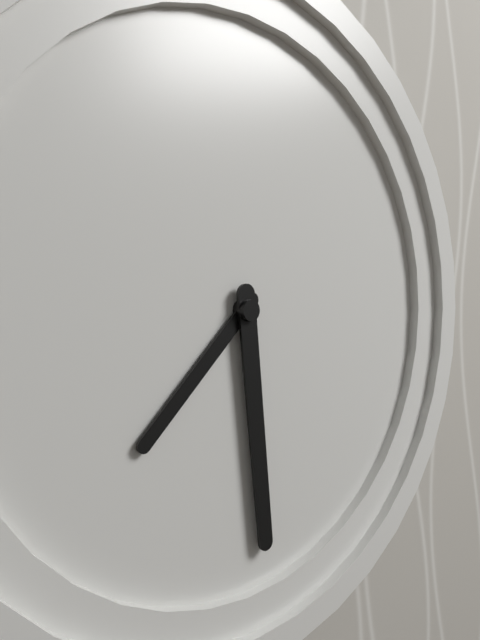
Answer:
**7:29**
